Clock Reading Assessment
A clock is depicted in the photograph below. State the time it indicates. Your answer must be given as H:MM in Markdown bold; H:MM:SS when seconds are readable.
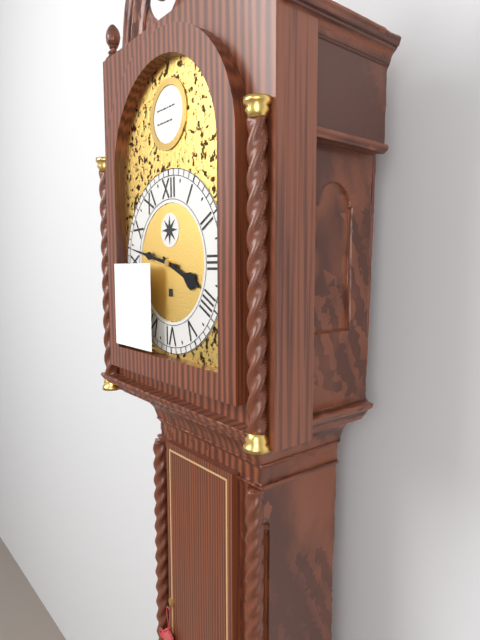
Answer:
**3:47**
